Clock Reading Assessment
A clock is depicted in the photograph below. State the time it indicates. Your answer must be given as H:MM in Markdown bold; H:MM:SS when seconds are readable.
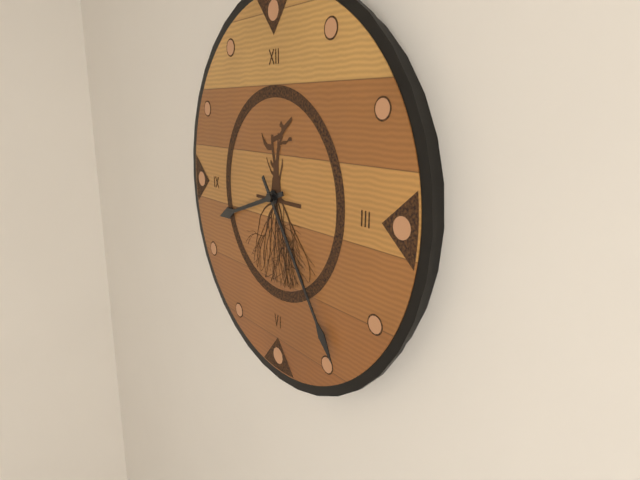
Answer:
**8:24**
